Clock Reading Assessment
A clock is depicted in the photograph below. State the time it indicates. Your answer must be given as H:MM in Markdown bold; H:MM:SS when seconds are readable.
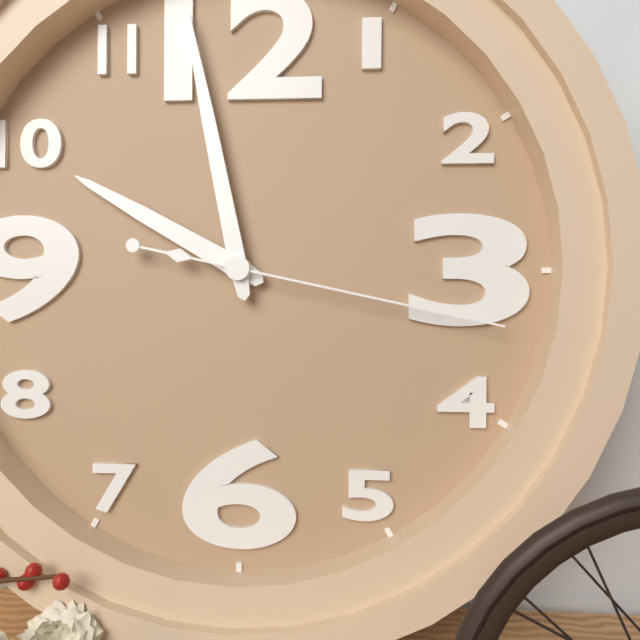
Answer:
**9:58:17**
